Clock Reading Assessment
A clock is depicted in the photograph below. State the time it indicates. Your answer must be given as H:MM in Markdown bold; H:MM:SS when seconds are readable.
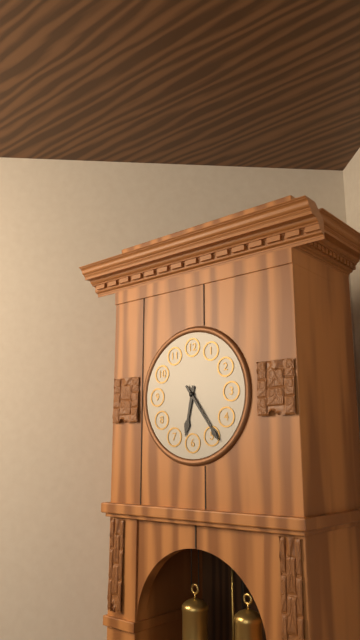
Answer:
**6:24**
